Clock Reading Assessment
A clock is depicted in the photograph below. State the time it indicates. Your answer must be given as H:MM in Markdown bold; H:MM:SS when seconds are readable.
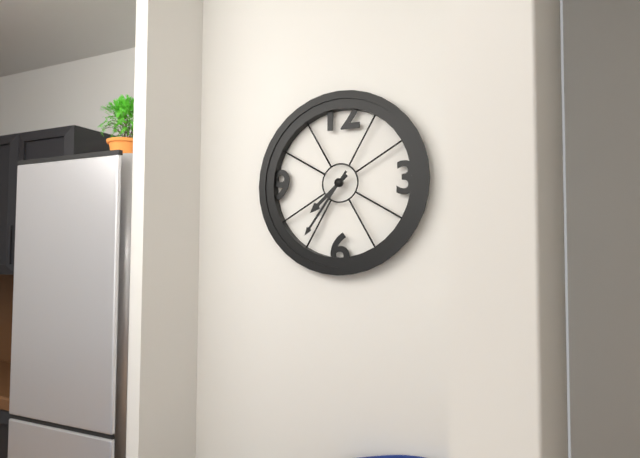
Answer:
**7:36**
